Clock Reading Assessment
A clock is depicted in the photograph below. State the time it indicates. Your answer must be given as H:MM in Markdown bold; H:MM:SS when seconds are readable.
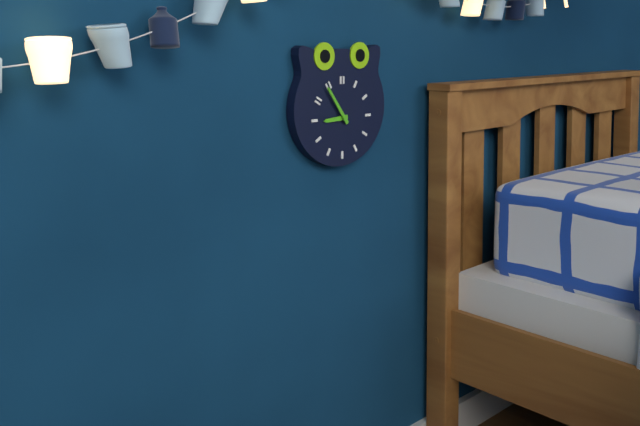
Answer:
**8:54**
